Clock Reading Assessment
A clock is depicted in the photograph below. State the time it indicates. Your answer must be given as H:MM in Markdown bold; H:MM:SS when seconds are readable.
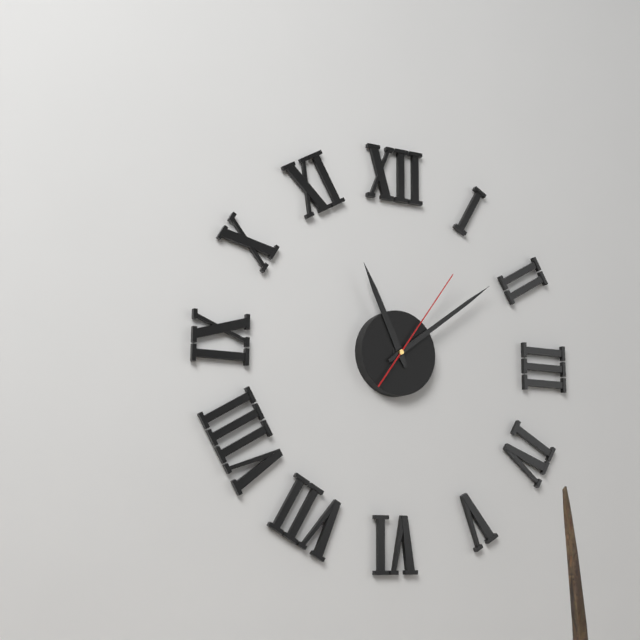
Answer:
**11:09:06**
